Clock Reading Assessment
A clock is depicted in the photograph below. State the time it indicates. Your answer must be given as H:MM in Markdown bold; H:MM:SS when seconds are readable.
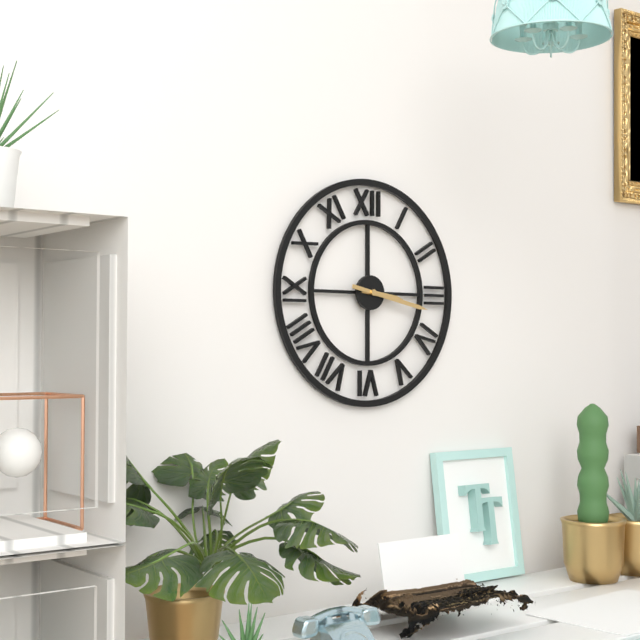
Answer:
**3:17**
